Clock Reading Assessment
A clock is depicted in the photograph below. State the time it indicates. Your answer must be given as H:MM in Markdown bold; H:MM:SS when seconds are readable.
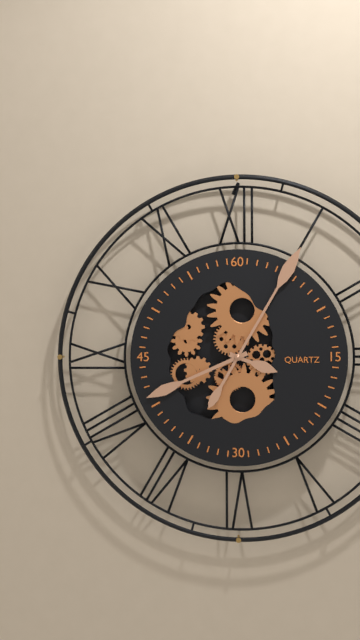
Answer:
**3:41:05**
